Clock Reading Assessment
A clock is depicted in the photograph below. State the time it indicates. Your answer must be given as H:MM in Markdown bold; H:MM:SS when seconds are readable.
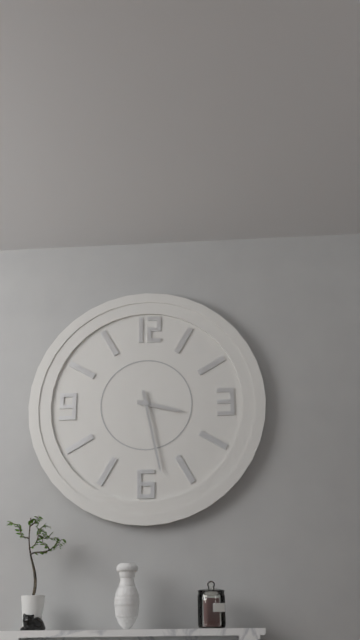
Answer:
**3:28**
